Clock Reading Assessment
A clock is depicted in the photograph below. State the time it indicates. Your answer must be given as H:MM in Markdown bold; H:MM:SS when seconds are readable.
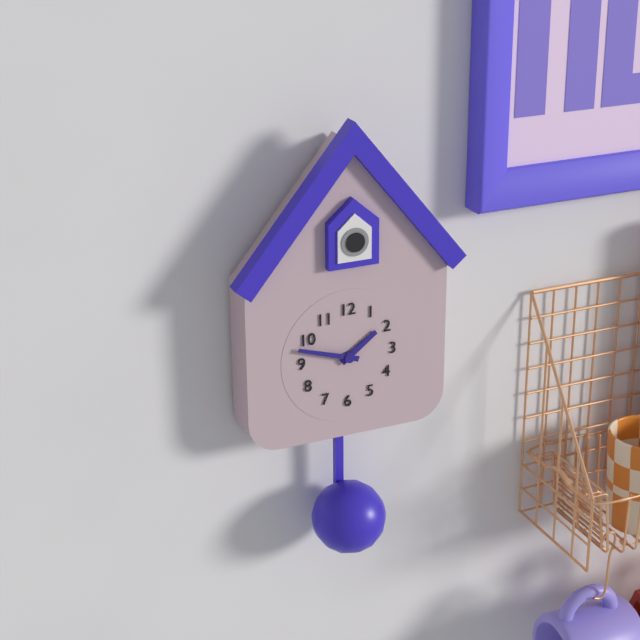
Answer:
**1:48**
